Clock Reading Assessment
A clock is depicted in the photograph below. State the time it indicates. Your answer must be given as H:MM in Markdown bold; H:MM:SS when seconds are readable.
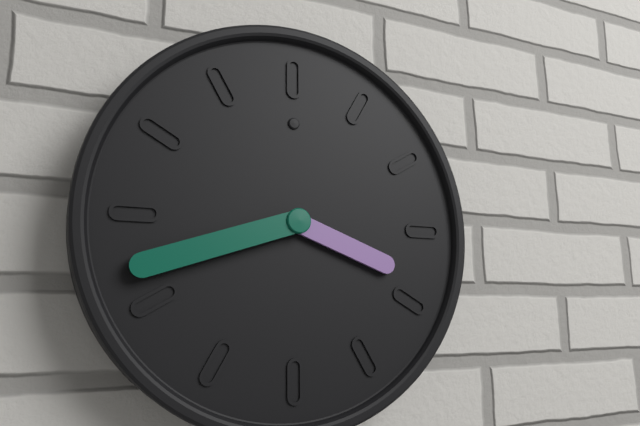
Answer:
**3:42**
